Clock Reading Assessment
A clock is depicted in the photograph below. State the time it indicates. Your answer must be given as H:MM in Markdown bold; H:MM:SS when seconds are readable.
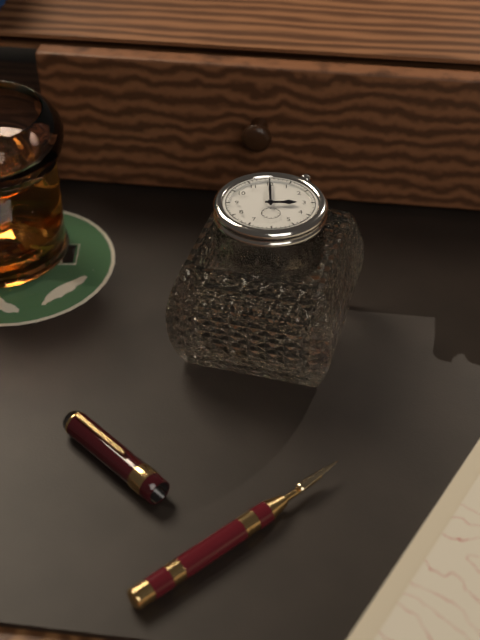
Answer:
**3:00**
